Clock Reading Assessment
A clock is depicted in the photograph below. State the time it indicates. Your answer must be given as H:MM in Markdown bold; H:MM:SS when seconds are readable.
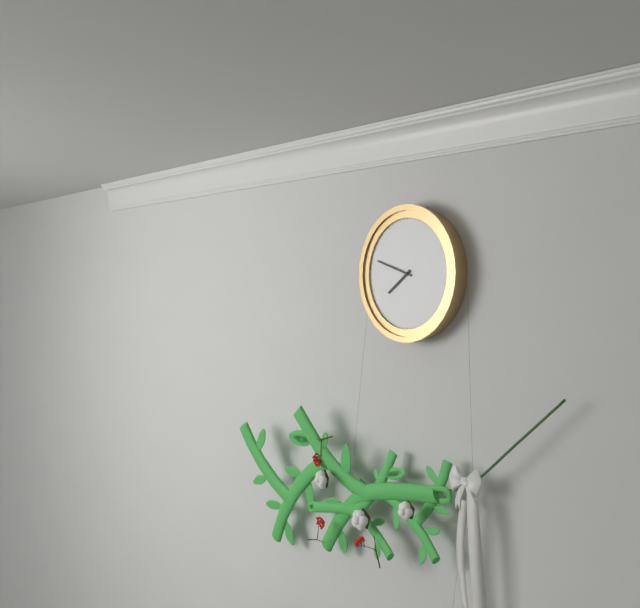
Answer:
**7:48**
